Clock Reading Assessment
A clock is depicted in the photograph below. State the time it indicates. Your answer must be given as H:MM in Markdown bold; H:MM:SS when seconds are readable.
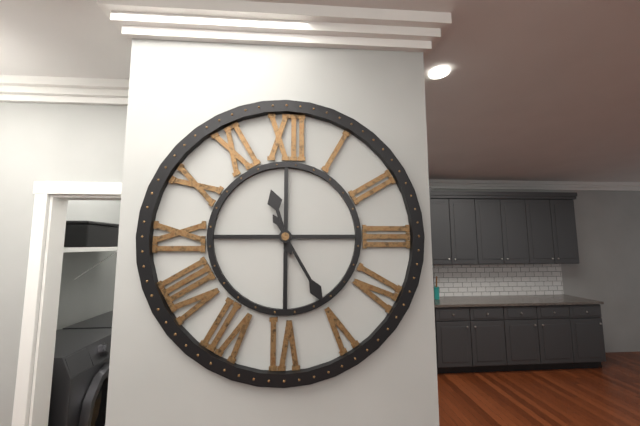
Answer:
**11:25**
